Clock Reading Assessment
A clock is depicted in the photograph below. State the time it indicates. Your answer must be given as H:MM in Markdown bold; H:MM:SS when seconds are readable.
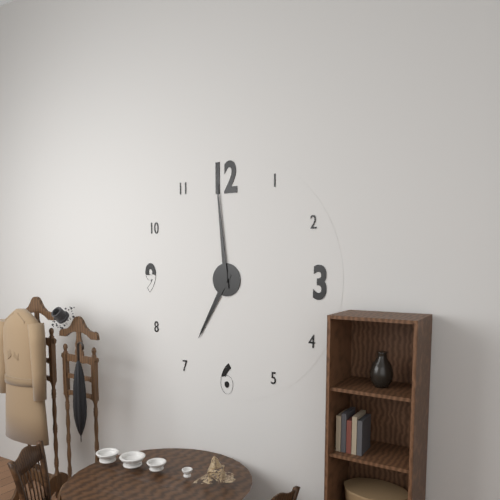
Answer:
**6:59**
